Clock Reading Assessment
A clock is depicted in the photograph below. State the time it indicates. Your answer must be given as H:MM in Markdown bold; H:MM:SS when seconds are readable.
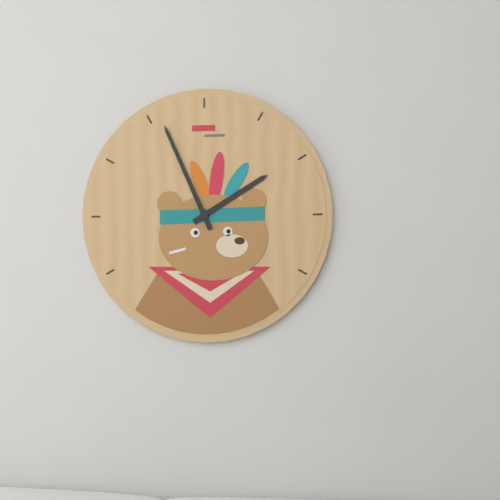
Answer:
**1:56**
